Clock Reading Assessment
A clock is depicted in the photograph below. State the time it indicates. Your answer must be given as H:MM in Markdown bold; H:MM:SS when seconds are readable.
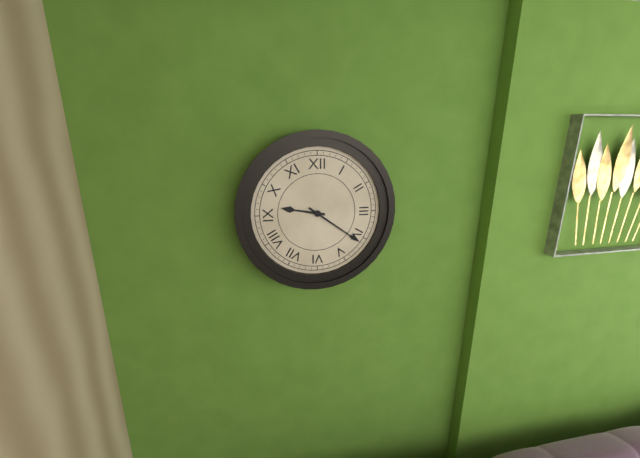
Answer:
**9:21**
